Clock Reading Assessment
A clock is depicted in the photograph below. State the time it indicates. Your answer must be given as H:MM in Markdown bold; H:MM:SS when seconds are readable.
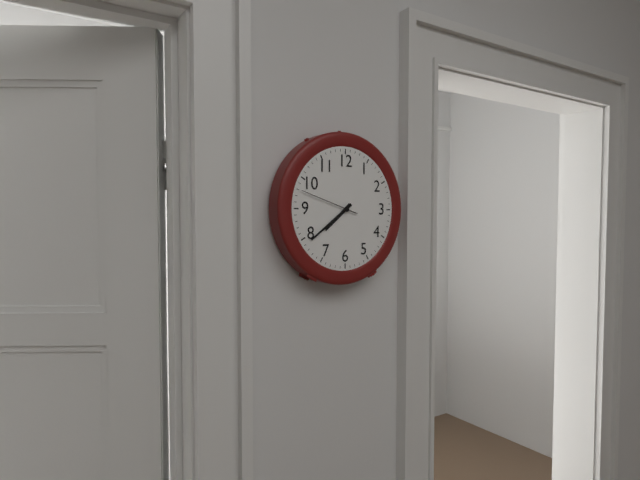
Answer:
**7:39:48**
